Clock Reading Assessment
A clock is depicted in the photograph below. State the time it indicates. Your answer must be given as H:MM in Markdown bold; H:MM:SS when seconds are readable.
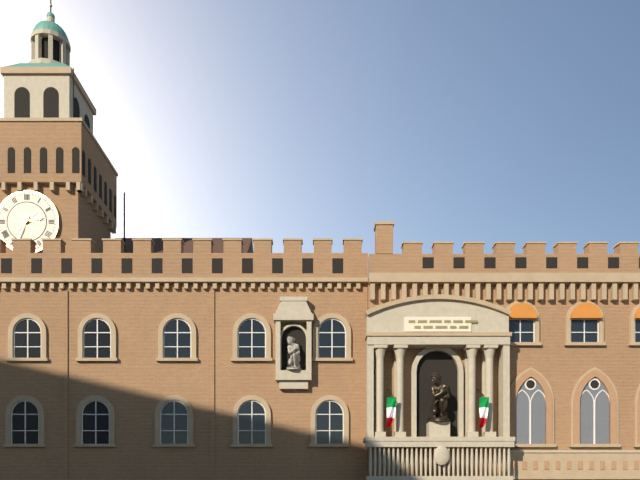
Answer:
**2:34**
